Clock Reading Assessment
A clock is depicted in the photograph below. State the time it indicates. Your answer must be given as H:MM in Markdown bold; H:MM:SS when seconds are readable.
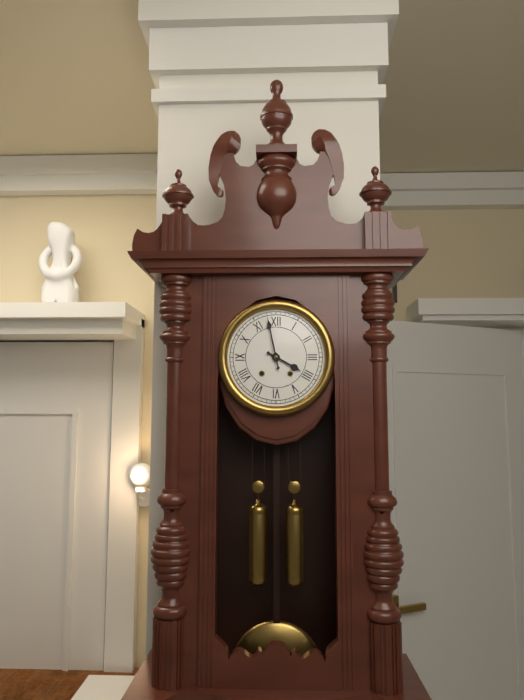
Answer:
**3:58**
